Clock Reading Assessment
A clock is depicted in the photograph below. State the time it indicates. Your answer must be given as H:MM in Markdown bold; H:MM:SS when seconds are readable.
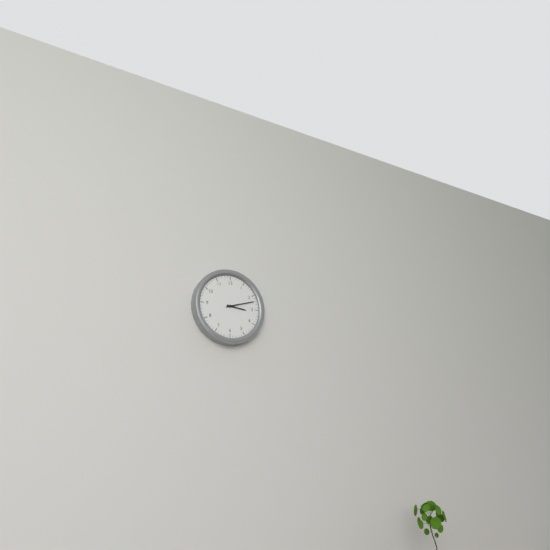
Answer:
**3:12**
